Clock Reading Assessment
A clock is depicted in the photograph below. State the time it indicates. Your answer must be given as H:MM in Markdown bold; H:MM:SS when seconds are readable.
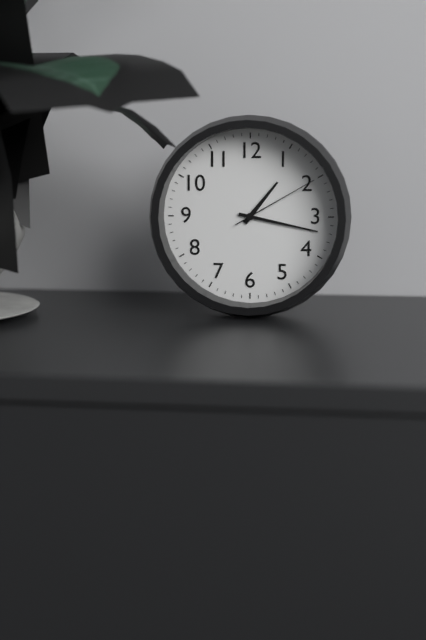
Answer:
**1:17:10**
